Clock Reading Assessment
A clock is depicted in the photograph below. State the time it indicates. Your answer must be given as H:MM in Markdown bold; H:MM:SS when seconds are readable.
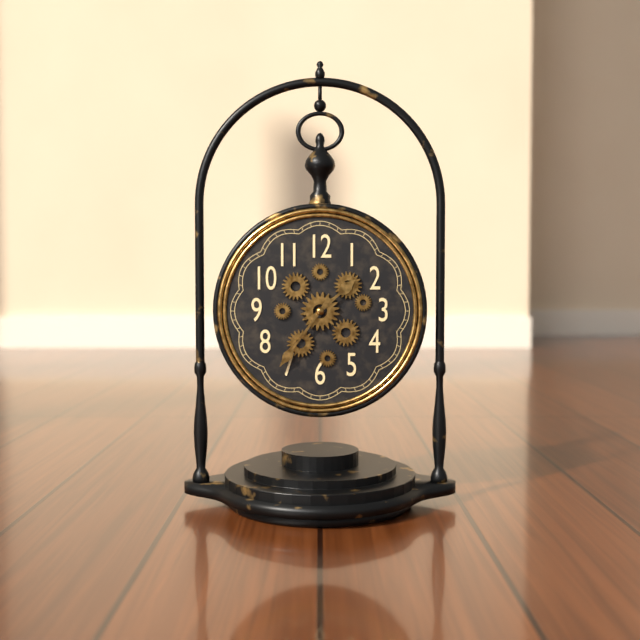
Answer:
**1:36**
